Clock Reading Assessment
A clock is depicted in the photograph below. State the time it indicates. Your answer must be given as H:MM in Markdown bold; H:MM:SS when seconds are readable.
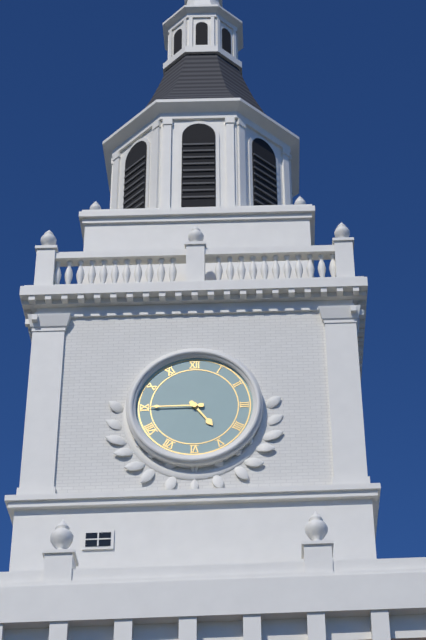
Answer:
**4:45**
